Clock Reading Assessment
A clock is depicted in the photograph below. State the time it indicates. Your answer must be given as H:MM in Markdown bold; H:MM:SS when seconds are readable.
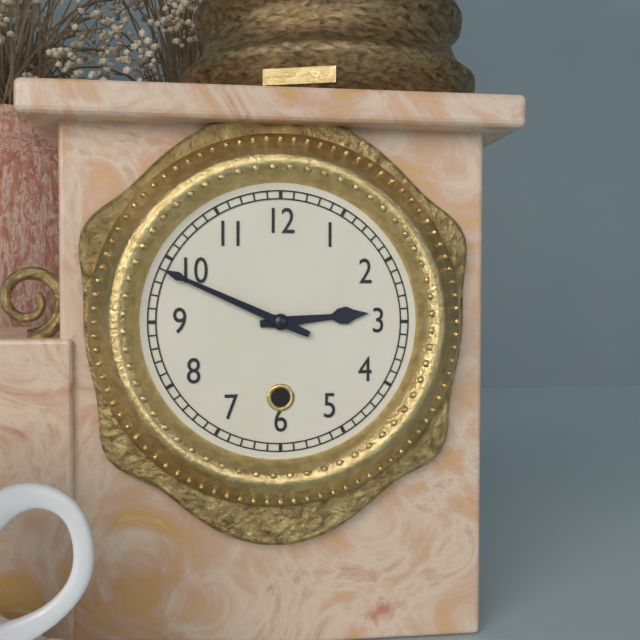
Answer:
**2:49**
